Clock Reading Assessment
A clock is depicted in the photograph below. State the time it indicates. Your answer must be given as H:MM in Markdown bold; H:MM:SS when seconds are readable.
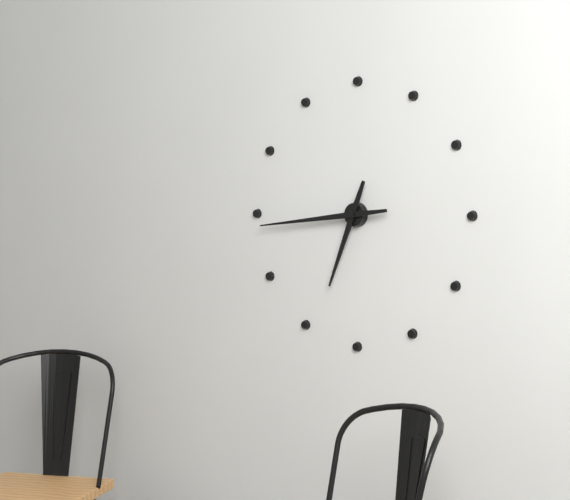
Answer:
**6:44**
